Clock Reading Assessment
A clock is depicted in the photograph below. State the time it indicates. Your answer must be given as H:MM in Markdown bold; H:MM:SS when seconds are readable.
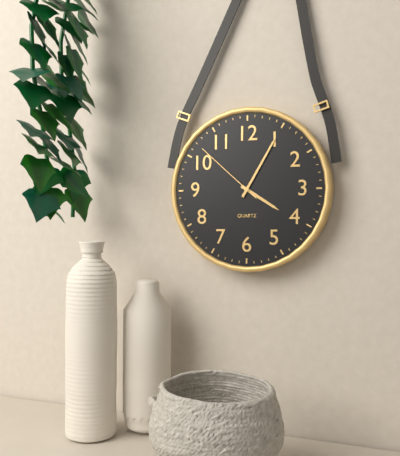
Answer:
**4:05:52**
